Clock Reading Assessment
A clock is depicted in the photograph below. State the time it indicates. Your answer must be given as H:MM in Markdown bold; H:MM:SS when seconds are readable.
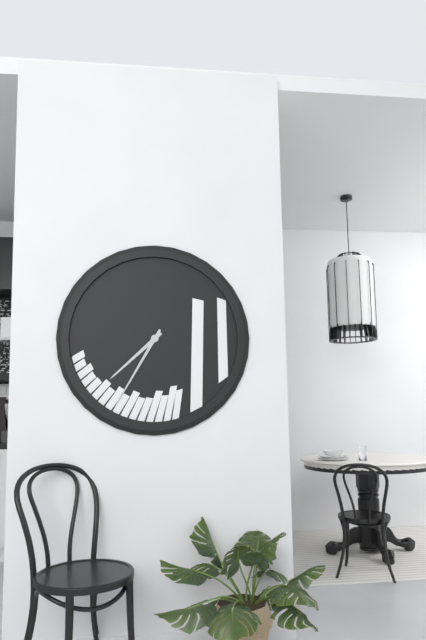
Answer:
**7:35**
